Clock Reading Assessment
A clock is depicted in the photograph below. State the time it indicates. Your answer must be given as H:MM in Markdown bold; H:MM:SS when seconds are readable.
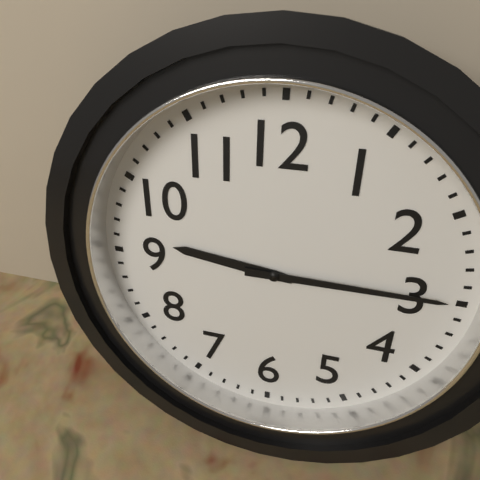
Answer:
**9:15**
